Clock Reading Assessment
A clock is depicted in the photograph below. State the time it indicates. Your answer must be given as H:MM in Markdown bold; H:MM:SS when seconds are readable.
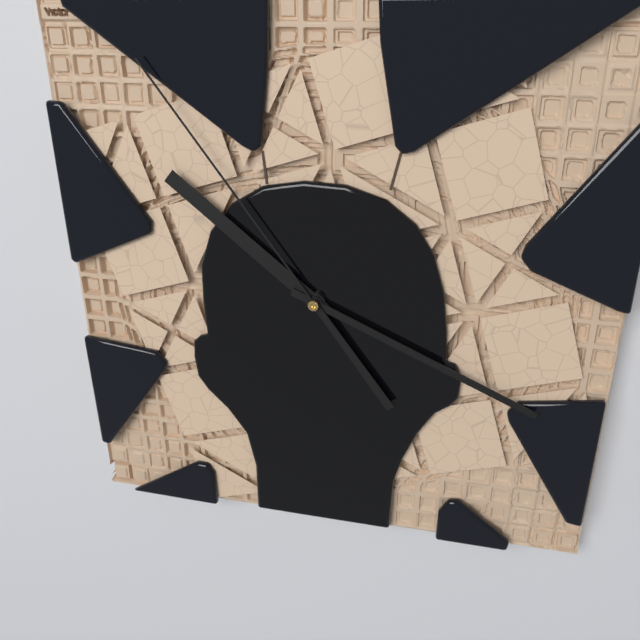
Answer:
**10:19:54**
